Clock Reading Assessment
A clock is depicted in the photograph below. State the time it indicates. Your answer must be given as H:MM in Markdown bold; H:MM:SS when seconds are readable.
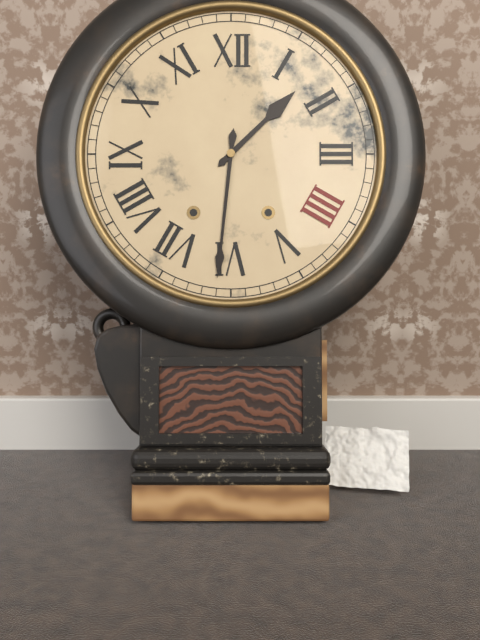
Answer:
**1:31**
